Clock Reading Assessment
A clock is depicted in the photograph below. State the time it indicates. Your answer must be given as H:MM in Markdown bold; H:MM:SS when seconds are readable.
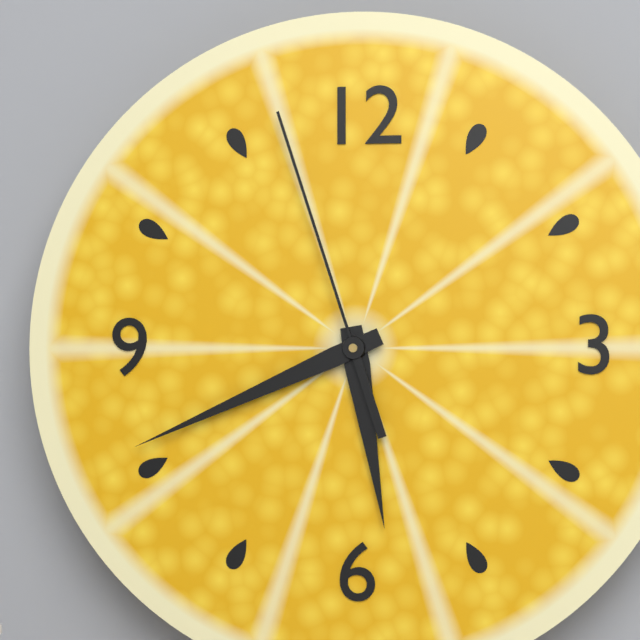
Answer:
**5:41:57**
